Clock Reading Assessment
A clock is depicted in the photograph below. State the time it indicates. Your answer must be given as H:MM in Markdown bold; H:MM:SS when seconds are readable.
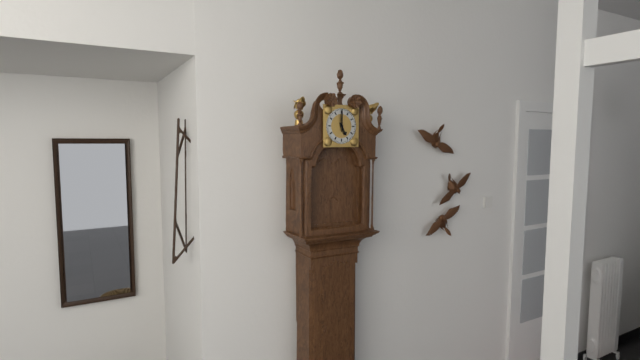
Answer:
**5:00**
